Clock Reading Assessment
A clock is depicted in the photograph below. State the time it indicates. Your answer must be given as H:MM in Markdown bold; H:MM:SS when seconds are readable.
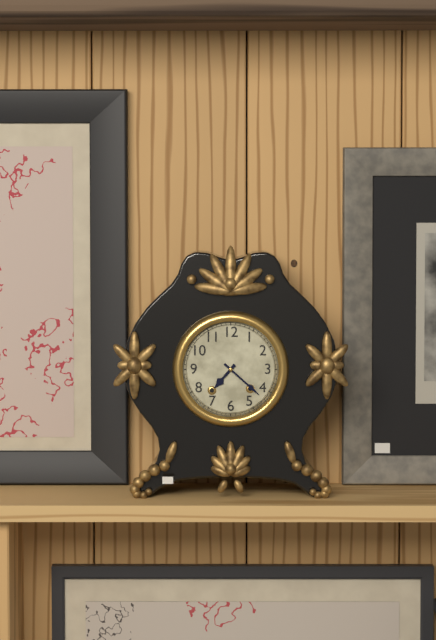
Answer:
**7:22**
